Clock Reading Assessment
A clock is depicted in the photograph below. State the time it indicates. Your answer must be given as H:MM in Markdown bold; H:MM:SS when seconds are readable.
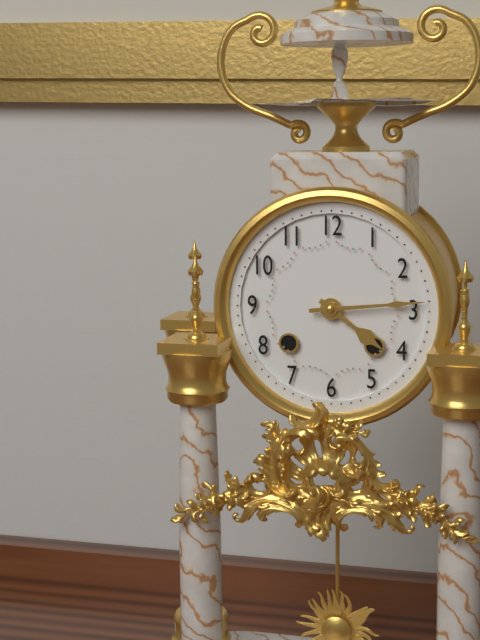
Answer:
**4:14**
